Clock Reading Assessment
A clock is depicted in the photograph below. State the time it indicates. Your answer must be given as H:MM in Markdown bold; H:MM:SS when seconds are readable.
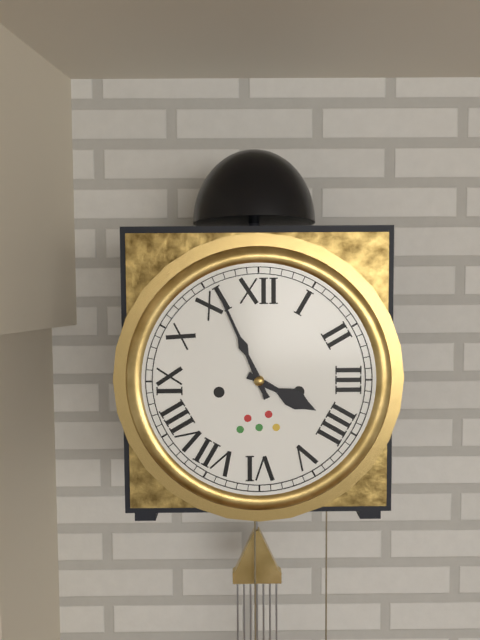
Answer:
**3:56**
